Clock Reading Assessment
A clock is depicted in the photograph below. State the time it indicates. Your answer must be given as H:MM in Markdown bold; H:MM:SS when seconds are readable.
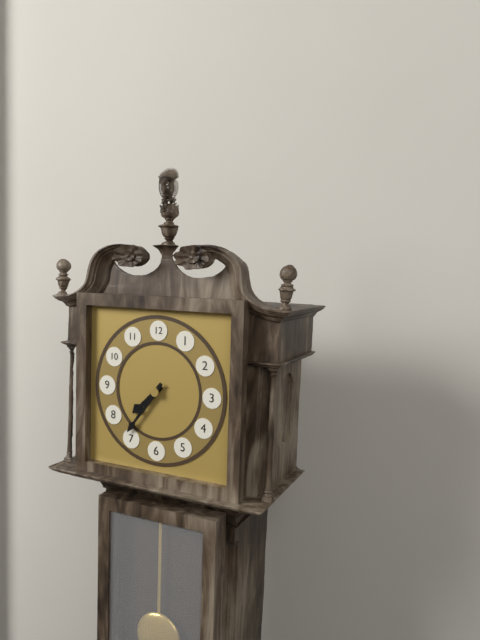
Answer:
**7:36**
